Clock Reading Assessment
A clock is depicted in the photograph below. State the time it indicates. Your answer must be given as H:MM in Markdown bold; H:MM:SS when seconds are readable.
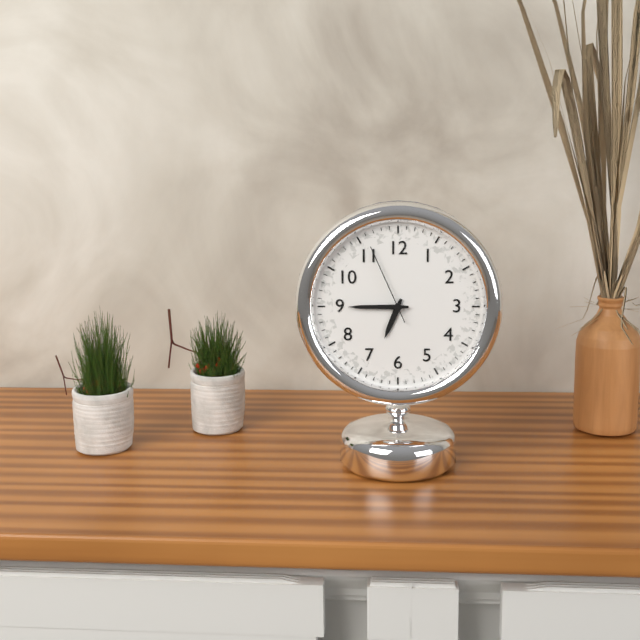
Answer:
**6:45:56**
